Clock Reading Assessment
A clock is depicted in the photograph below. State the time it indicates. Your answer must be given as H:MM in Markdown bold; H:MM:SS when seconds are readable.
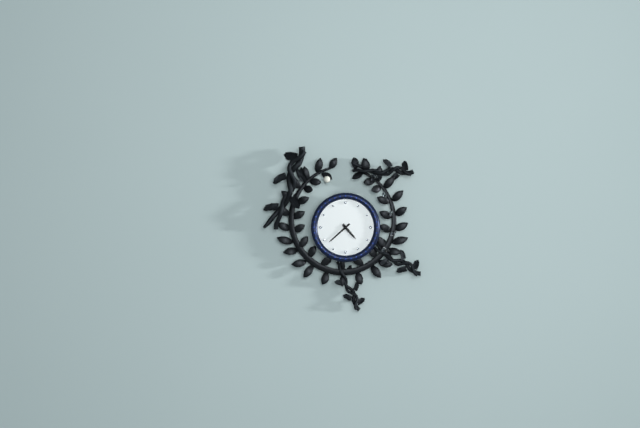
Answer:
**4:38**
